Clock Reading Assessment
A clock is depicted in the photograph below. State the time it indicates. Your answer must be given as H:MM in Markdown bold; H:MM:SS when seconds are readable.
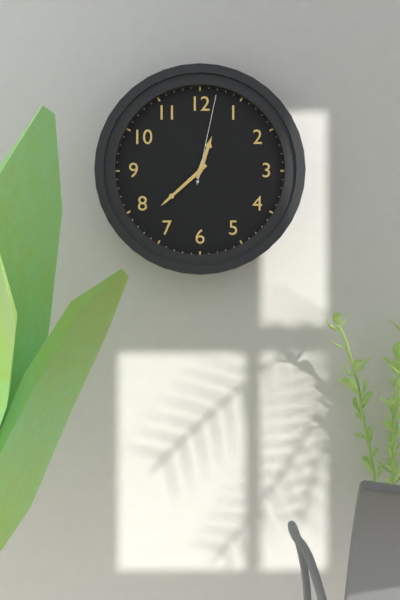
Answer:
**12:38:02**
